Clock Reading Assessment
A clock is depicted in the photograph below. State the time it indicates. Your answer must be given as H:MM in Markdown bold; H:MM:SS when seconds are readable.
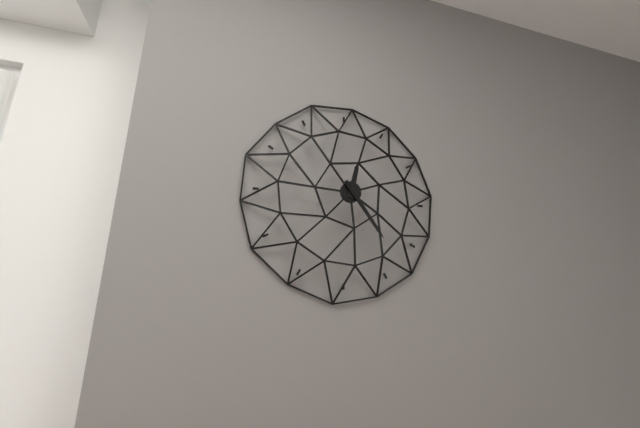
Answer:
**12:24**
